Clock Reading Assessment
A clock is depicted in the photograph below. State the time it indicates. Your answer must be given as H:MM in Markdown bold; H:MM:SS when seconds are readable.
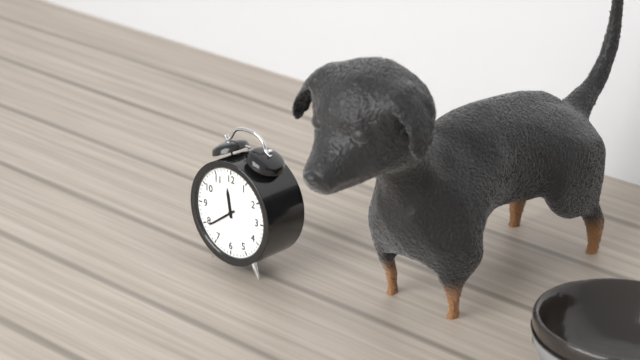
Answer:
**11:39**
